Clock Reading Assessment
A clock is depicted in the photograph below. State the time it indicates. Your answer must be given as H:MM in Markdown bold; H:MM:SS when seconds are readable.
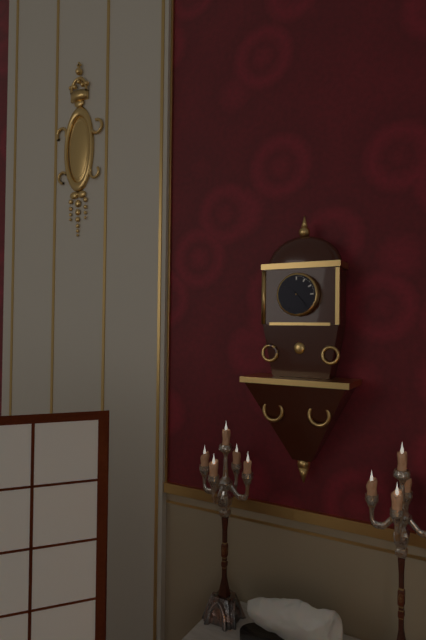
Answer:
**10:23**
